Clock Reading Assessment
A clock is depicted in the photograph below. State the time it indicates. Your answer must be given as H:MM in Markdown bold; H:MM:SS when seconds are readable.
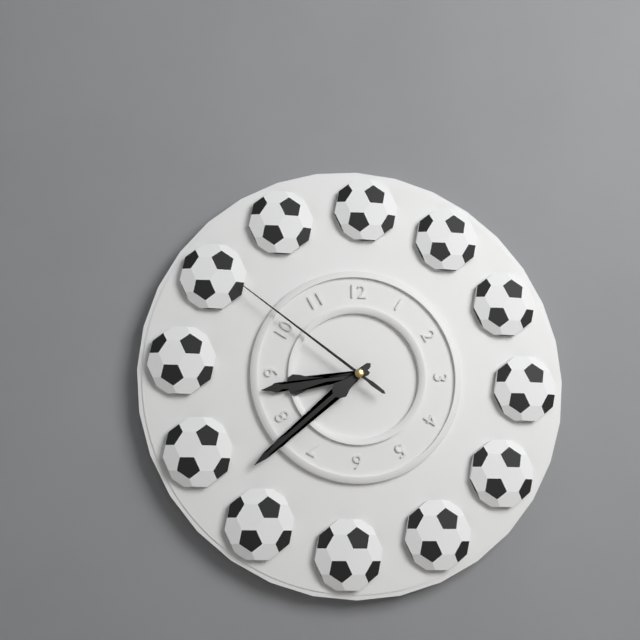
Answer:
**8:38:51**
